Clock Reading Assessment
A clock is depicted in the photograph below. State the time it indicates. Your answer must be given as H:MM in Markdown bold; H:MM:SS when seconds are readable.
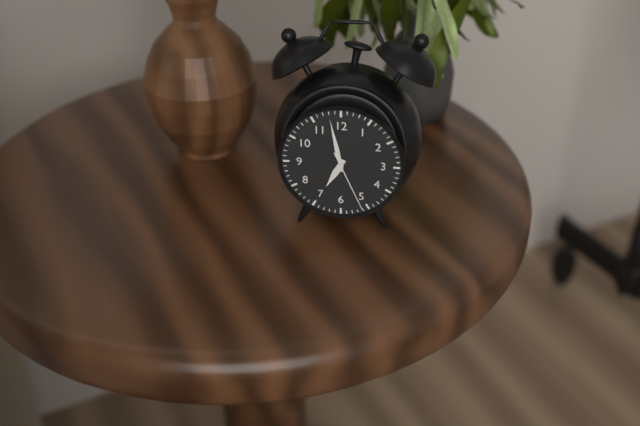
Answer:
**6:58:26**
